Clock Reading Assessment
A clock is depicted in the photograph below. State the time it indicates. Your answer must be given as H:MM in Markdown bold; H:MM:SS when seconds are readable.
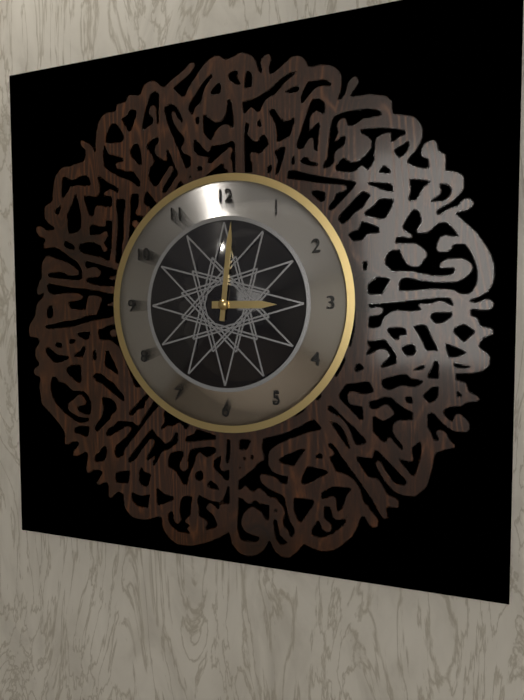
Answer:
**3:01**
